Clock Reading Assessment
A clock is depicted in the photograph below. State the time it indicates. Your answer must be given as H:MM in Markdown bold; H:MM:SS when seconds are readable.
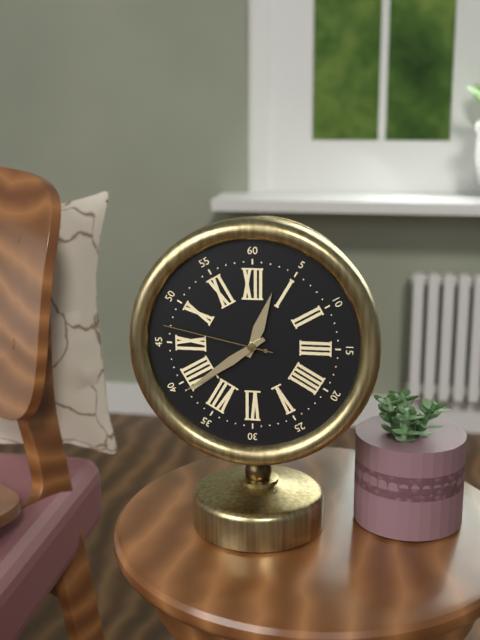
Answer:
**12:39:47**
